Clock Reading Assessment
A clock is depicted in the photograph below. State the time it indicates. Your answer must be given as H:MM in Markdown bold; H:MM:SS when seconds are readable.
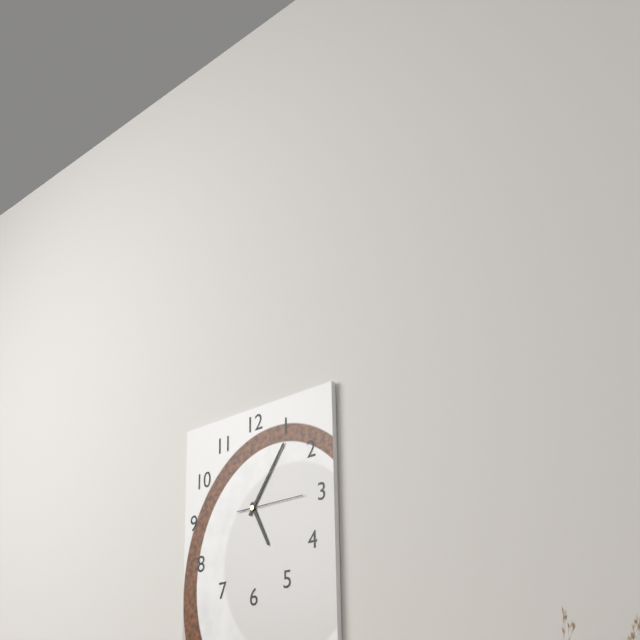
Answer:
**5:06:15**
